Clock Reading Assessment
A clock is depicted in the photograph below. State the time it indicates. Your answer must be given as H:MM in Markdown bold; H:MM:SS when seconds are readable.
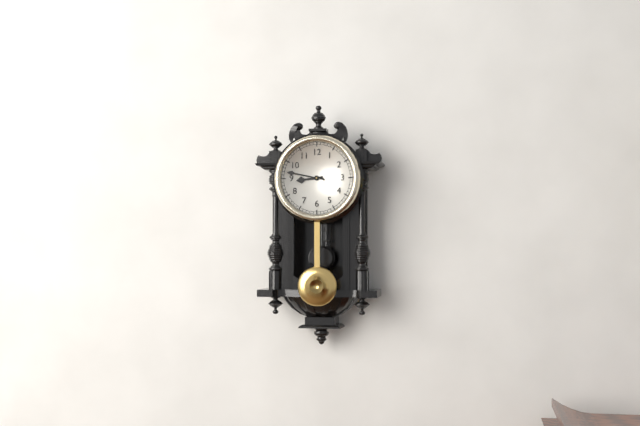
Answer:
**8:47**
